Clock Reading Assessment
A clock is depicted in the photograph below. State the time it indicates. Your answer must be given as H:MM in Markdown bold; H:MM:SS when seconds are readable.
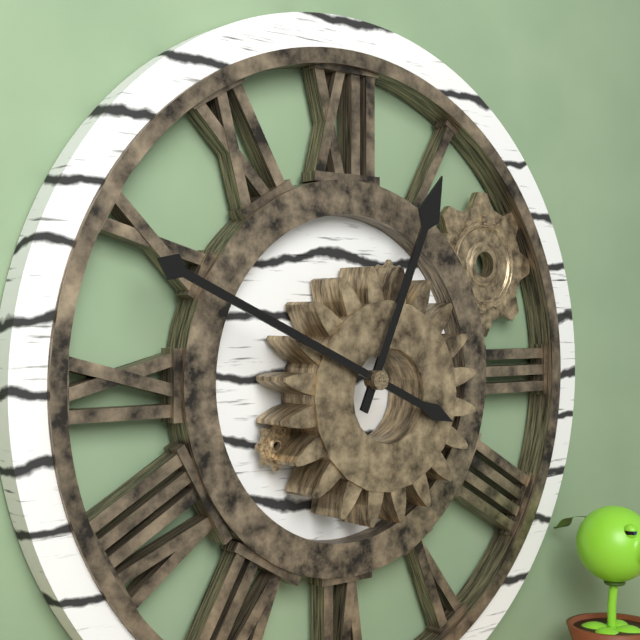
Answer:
**12:49**
